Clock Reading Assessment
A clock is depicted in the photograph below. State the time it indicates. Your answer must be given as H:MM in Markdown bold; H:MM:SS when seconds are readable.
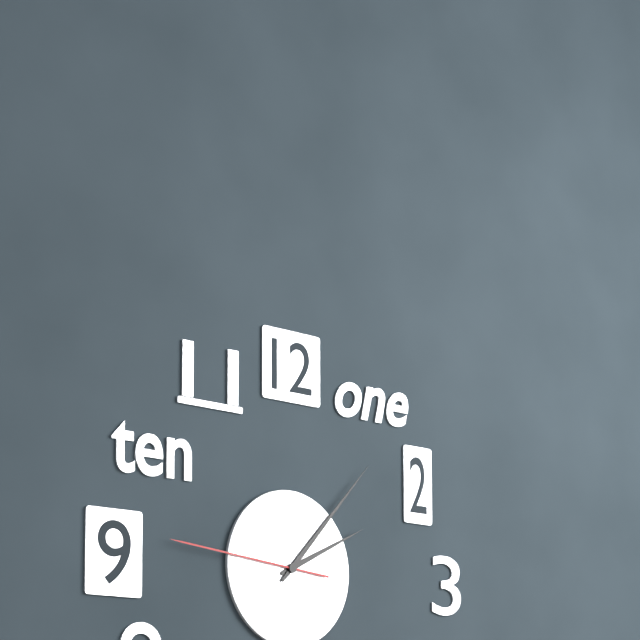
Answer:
**2:07:46**
